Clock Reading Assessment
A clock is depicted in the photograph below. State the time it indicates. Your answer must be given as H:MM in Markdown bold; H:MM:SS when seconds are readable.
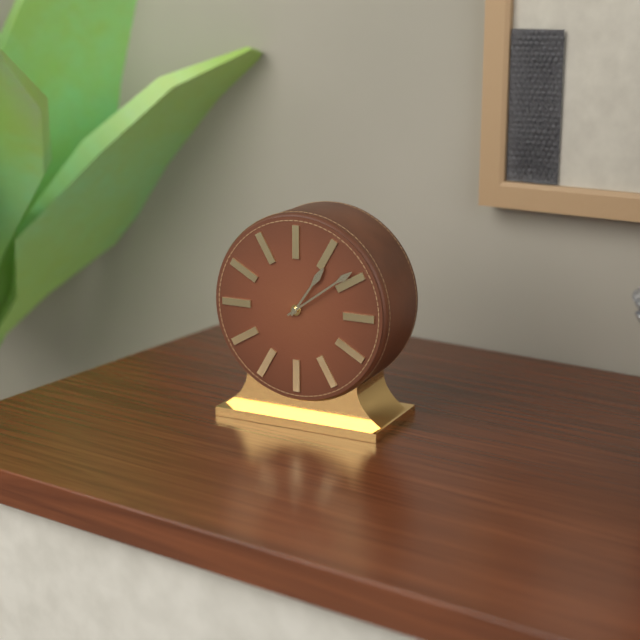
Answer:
**1:09**
